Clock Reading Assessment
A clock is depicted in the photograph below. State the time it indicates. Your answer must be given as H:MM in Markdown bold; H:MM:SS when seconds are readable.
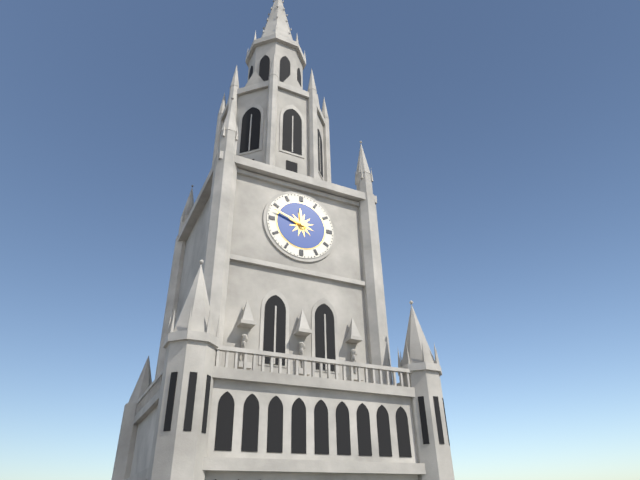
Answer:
**11:48**
